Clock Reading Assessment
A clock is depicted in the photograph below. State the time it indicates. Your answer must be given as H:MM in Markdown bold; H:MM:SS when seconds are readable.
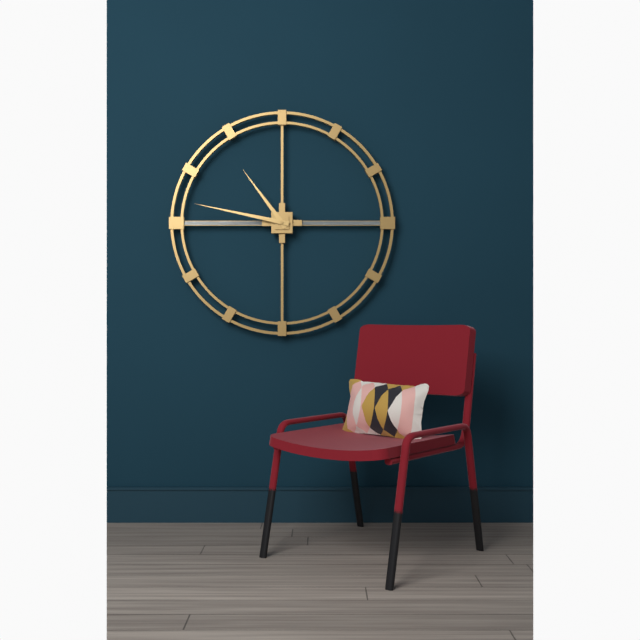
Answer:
**10:47**
